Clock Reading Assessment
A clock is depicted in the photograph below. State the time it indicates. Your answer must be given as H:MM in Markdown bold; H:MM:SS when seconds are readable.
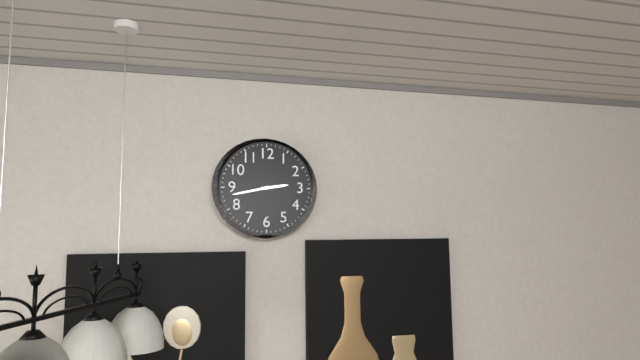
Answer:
**2:43**
